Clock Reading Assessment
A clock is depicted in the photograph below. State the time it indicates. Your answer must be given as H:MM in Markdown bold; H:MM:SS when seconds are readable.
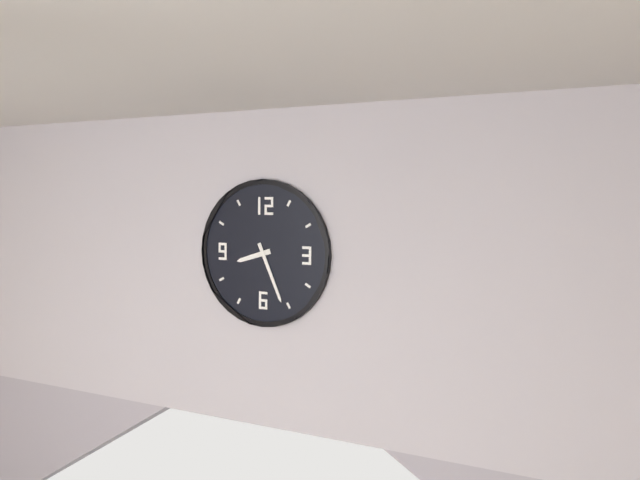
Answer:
**8:26**
